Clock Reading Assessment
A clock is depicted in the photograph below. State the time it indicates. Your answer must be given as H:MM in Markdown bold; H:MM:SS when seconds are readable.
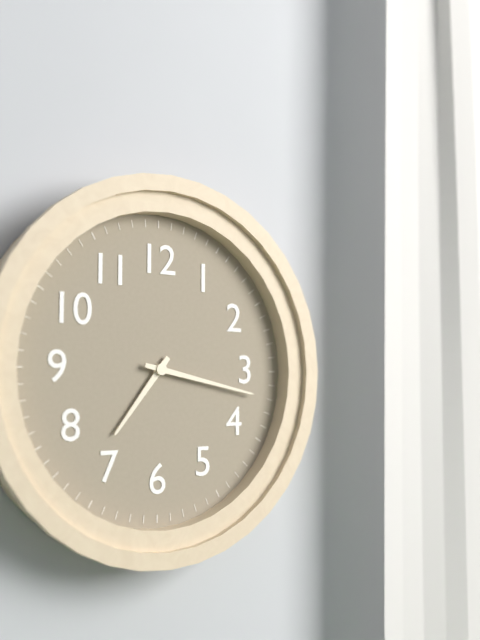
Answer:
**7:17**
